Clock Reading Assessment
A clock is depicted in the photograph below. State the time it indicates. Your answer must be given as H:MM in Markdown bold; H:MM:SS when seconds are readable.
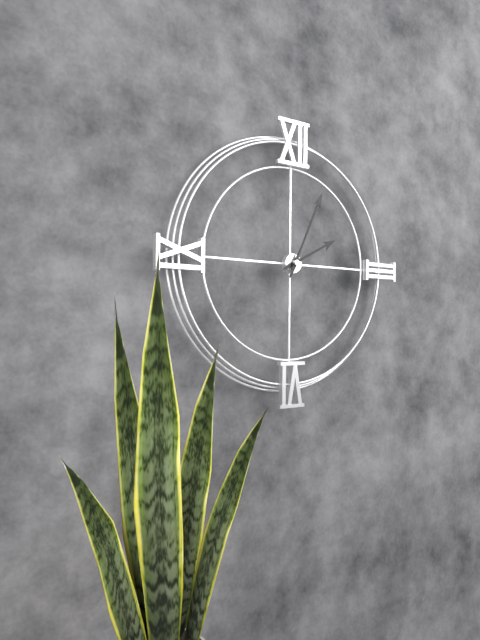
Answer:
**2:04**
